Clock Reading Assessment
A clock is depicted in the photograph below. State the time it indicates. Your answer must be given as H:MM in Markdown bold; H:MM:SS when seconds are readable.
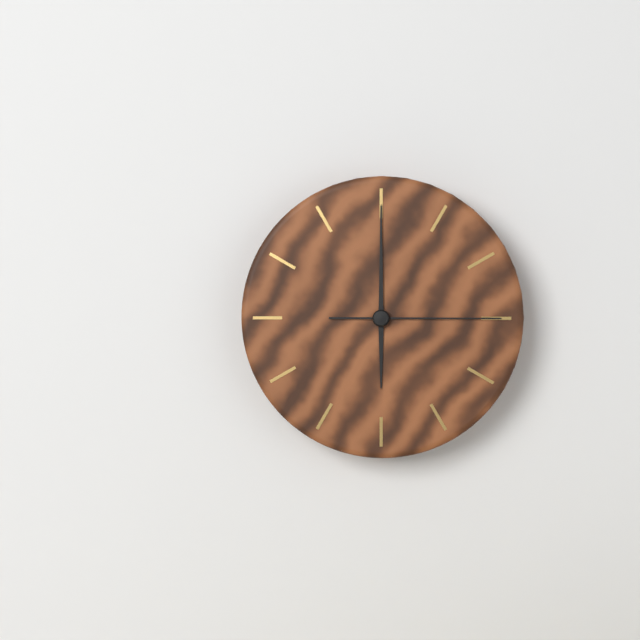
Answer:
**6:00:15**
